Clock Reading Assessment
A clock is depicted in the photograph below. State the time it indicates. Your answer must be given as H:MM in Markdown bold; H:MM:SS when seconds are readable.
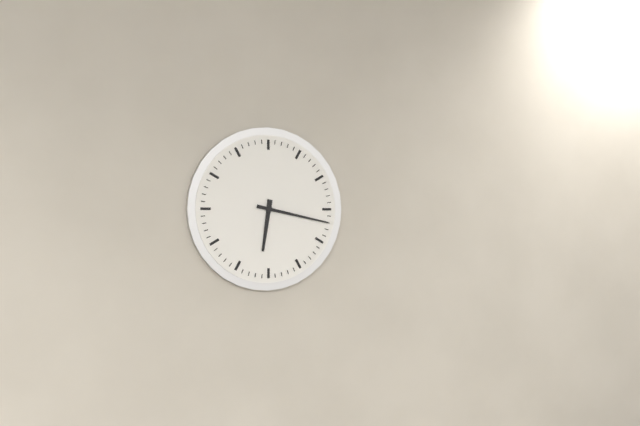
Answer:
**6:17**
